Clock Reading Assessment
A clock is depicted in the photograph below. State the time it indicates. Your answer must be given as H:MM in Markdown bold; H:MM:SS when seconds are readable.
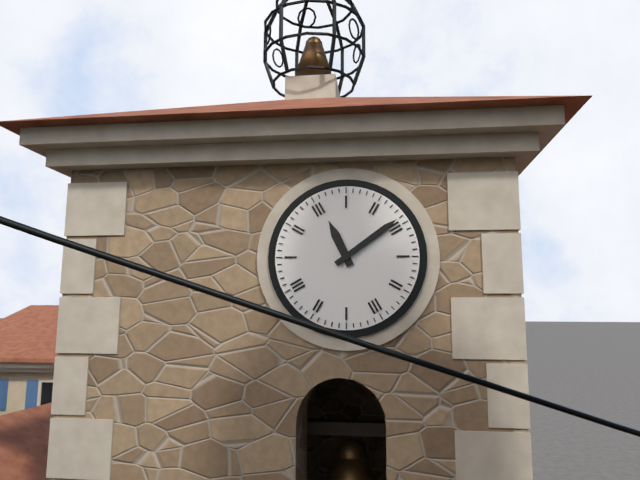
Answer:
**11:09**
